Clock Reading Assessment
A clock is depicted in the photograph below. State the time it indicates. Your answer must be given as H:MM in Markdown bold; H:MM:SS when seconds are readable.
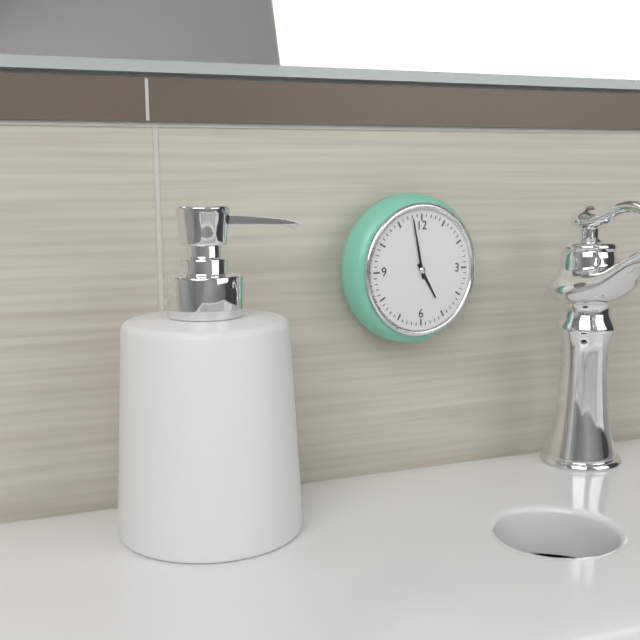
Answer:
**4:58**
